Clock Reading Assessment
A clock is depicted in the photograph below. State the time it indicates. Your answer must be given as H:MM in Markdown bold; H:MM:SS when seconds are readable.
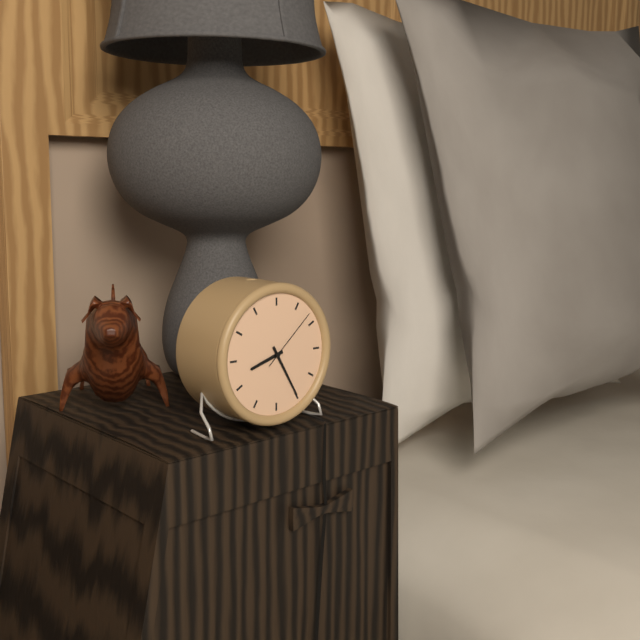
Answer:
**8:25:08**
